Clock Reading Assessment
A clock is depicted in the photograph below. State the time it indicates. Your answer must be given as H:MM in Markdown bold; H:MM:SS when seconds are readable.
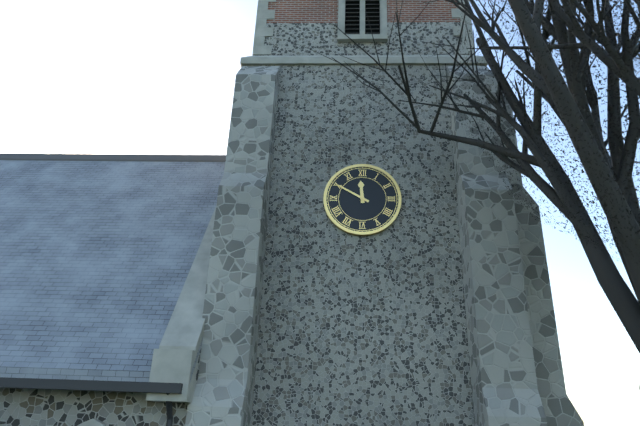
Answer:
**11:50**
